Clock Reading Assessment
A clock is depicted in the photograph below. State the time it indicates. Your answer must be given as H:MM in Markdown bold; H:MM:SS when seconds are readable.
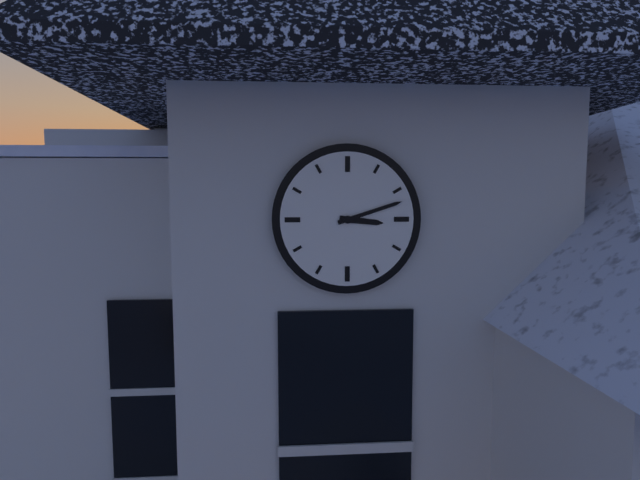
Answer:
**3:12**
